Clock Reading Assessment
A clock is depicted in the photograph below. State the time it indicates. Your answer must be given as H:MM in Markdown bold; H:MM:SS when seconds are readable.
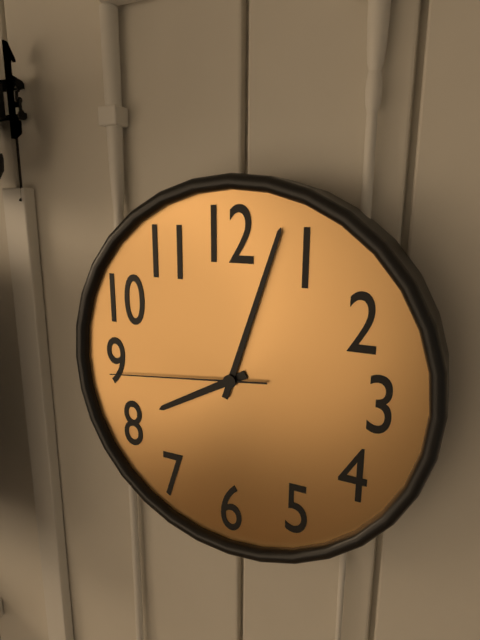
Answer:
**8:03:44**
